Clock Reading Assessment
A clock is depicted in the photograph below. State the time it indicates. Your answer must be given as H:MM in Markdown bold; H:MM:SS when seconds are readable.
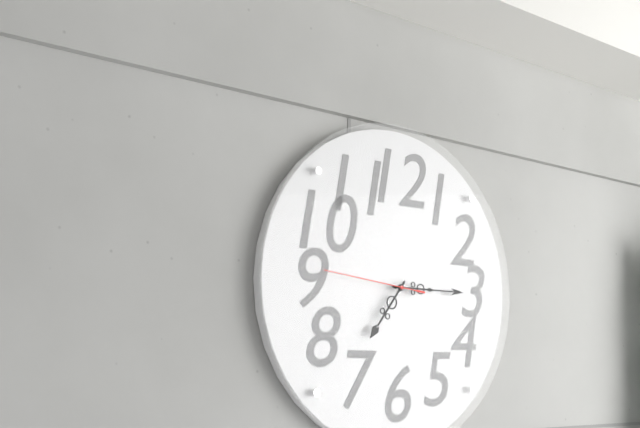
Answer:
**7:15:46**
